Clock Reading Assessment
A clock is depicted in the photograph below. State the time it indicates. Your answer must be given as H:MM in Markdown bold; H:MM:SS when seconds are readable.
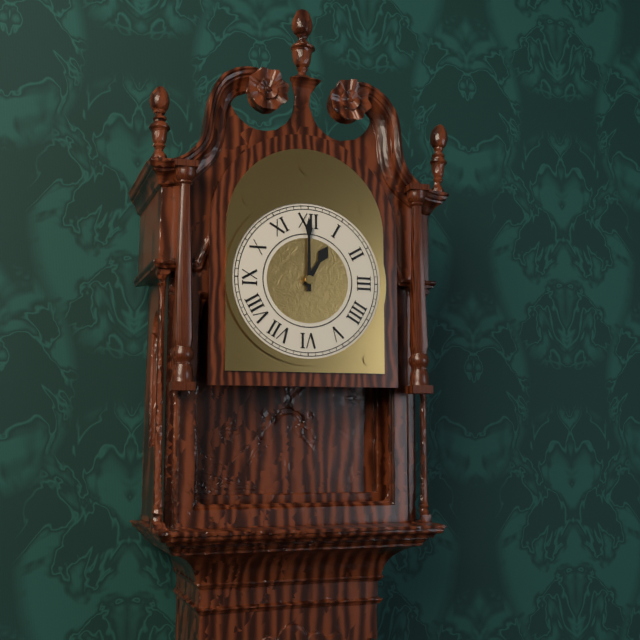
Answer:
**1:00**
